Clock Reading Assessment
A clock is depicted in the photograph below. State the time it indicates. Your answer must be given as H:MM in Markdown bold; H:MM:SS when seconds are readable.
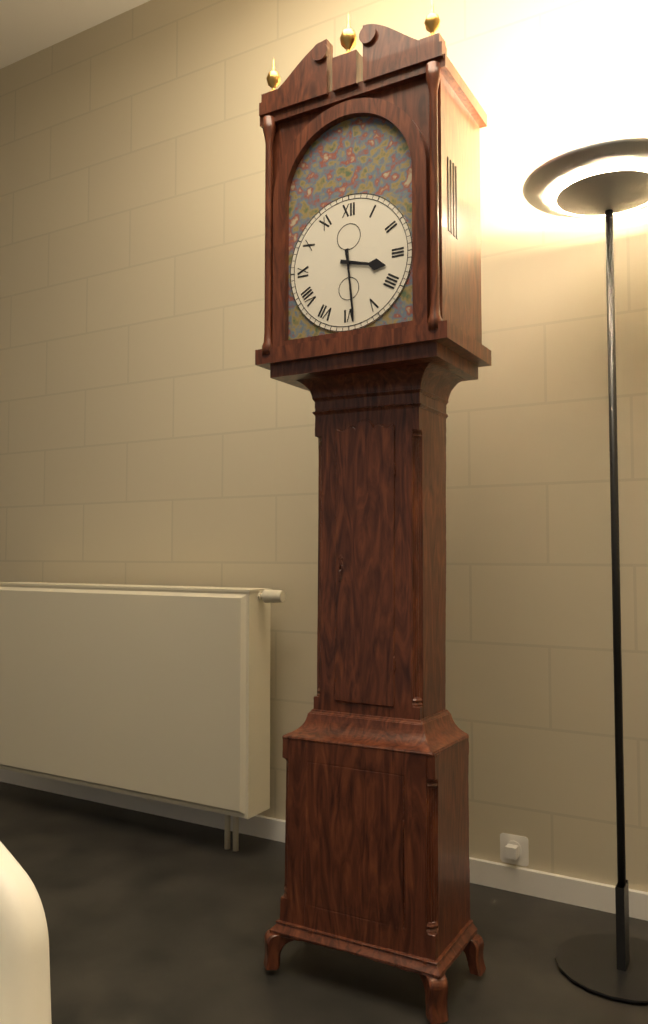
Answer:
**3:29**
